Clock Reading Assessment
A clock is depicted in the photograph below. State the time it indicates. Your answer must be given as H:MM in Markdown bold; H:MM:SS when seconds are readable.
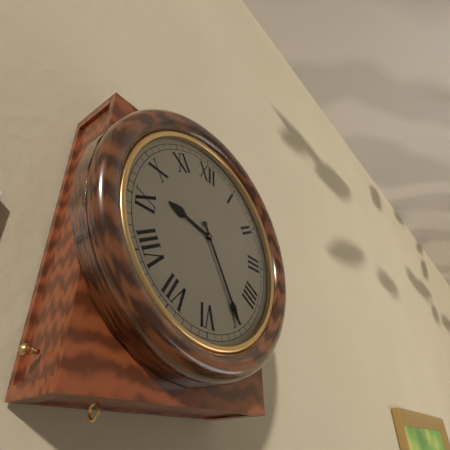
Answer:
**9:25**
